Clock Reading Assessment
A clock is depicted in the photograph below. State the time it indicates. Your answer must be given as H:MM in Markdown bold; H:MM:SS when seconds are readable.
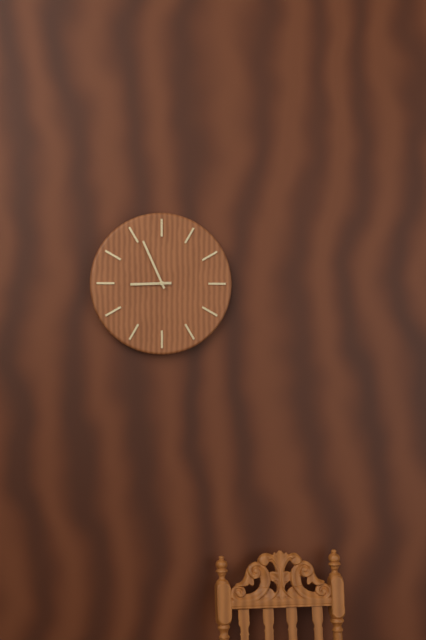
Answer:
**8:56**
